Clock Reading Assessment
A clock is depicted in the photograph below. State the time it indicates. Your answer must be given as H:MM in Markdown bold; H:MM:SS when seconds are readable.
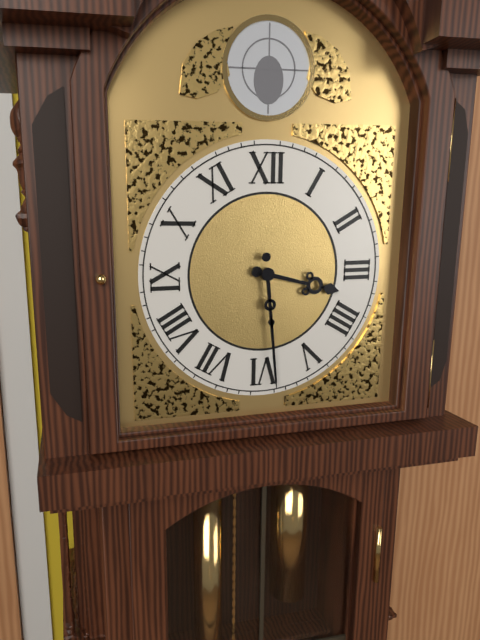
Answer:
**3:29**
